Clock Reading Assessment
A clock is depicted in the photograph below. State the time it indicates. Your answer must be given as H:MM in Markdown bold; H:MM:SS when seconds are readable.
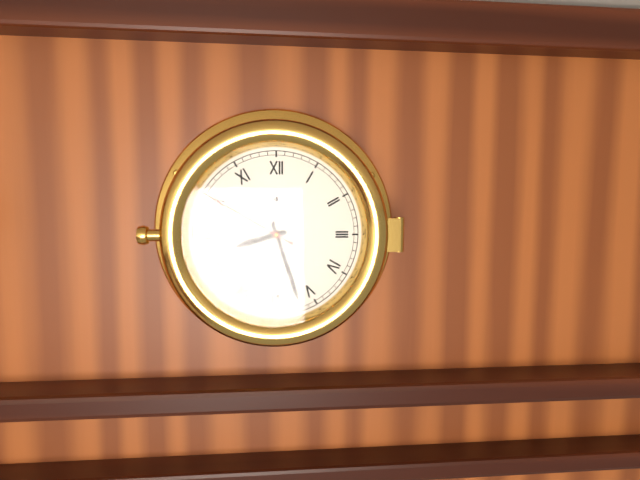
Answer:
**8:27:50**
